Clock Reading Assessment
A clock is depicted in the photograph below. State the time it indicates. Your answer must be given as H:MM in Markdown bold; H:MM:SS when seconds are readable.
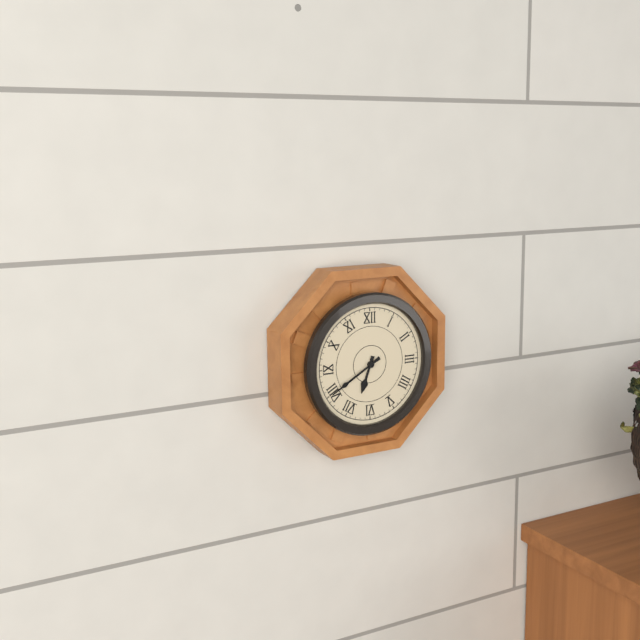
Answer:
**6:40**
